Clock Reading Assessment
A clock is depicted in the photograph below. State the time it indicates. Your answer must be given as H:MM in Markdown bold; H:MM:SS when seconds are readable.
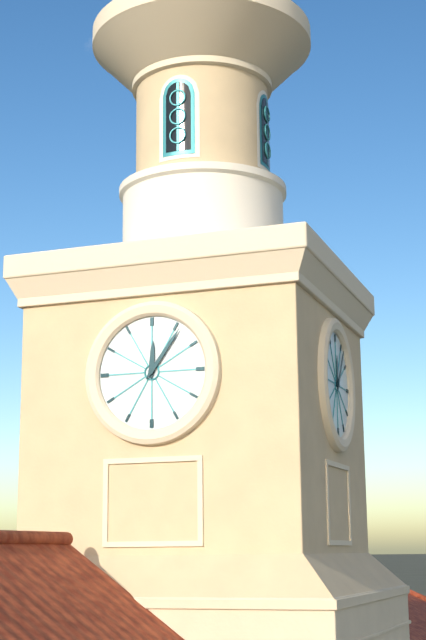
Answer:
**12:06**
